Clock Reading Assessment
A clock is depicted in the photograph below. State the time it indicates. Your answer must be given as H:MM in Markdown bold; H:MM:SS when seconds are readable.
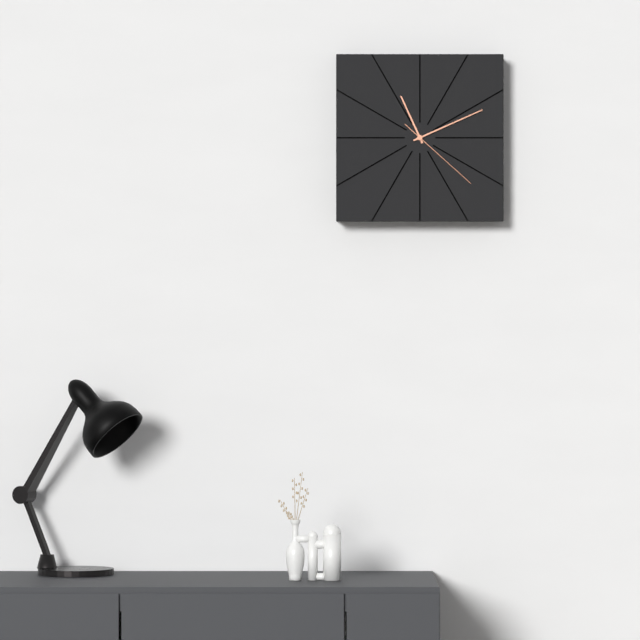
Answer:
**11:11:22**
